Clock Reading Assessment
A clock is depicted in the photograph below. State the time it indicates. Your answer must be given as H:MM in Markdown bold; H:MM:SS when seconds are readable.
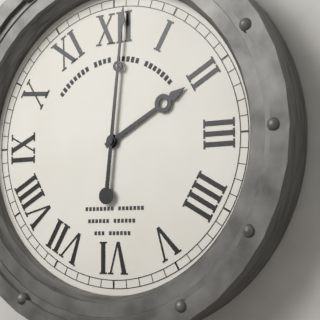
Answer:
**2:01**
